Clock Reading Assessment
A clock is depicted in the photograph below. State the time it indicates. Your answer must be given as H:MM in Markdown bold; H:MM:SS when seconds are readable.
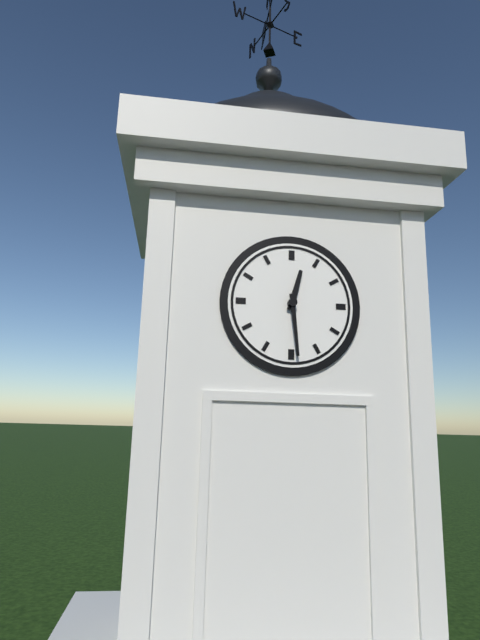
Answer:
**12:29**
